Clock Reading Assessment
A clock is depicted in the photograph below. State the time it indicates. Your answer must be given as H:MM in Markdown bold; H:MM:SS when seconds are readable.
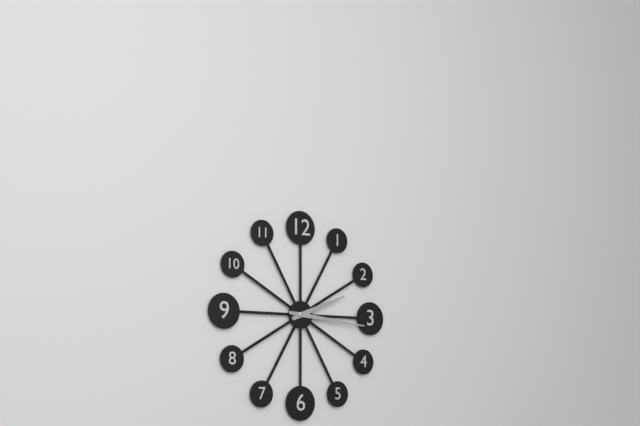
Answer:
**2:16**
